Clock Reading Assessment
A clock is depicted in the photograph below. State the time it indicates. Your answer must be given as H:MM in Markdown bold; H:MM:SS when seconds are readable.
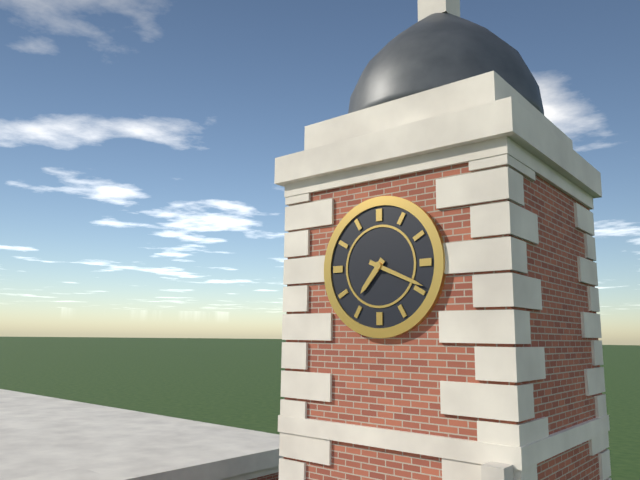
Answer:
**7:19**
